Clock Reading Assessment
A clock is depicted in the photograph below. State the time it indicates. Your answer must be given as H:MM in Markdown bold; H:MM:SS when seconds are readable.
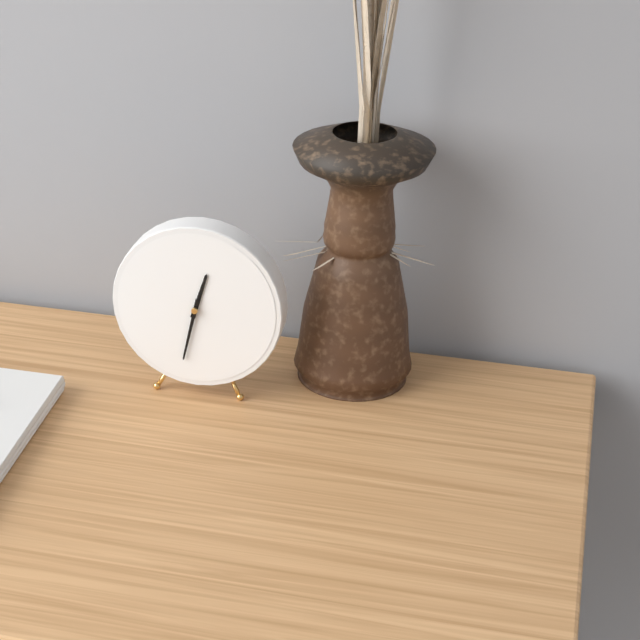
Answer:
**12:32**
